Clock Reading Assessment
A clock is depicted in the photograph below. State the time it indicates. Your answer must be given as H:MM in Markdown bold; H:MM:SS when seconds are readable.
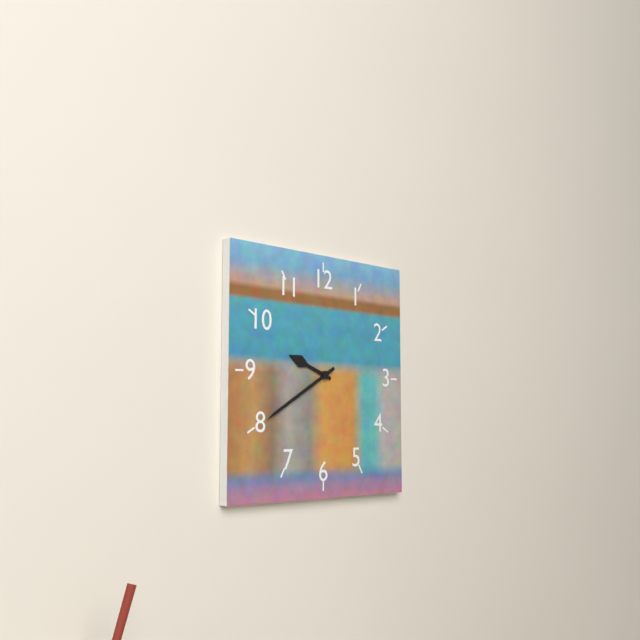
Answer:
**9:40**
